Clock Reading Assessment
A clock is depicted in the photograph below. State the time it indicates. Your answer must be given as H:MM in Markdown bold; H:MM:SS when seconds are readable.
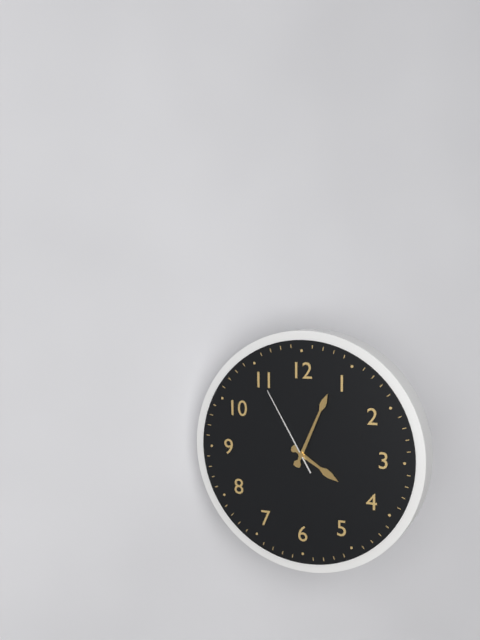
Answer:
**4:04:55**
